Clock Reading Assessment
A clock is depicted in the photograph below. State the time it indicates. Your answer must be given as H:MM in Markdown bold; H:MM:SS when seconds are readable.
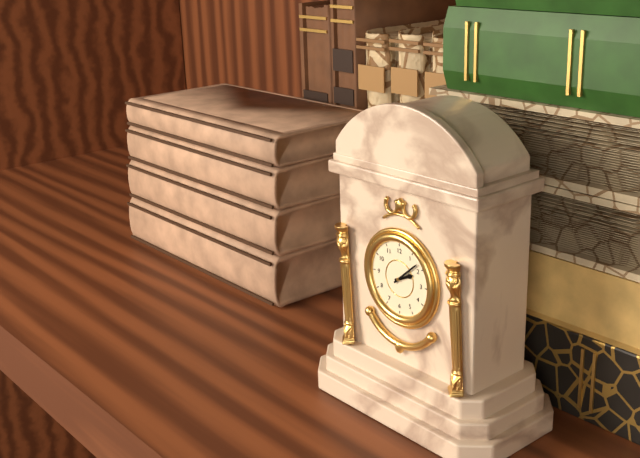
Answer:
**2:08**
